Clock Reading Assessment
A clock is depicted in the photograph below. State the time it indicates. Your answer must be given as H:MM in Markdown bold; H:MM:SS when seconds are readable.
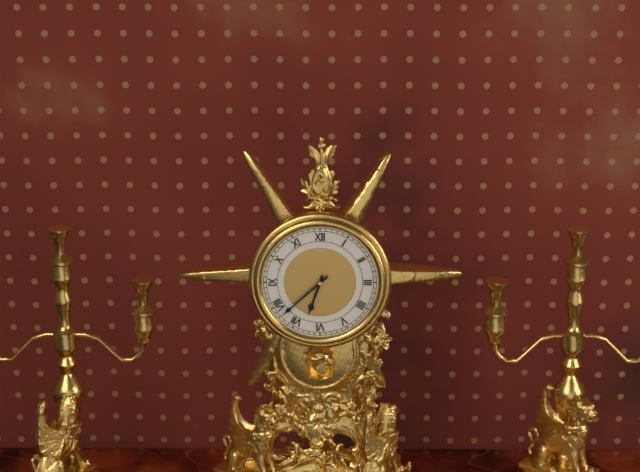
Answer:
**6:38**
